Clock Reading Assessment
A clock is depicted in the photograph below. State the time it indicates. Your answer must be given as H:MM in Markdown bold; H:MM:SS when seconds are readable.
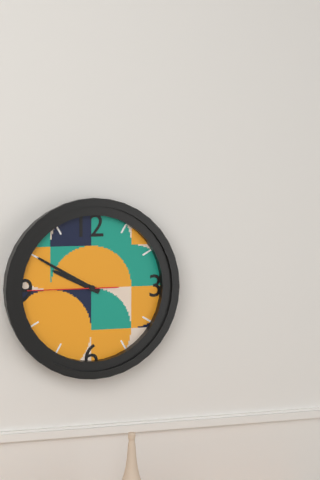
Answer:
**9:50:45**
